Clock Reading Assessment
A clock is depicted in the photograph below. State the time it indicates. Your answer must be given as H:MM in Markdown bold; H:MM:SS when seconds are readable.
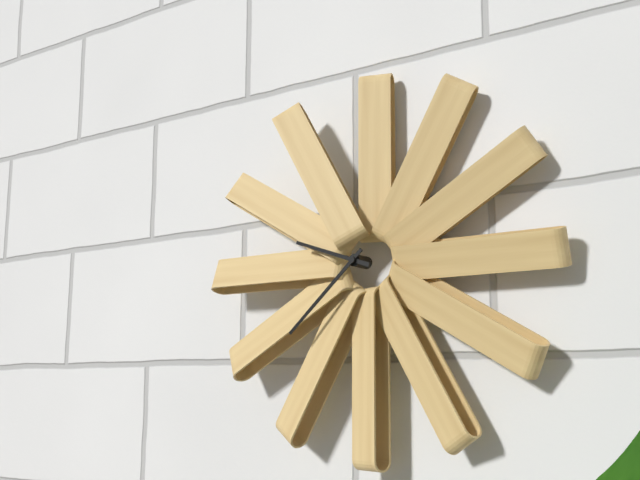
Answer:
**9:38**
